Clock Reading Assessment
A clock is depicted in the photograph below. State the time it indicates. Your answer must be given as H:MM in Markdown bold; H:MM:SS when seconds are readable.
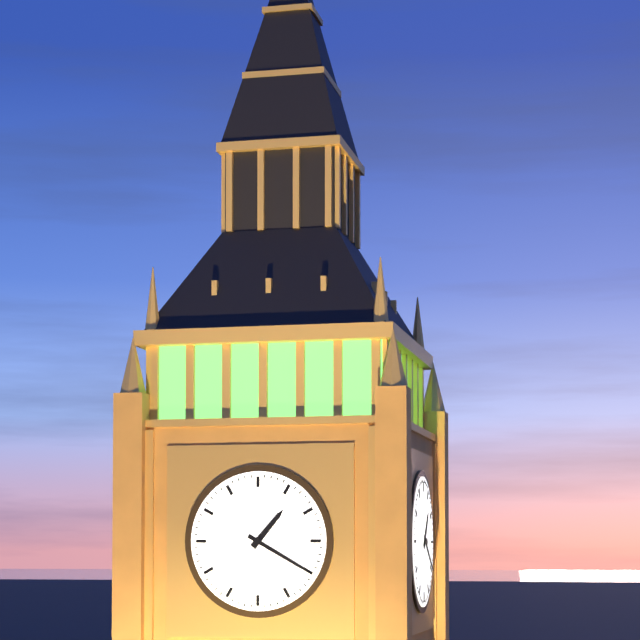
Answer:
**1:20**
